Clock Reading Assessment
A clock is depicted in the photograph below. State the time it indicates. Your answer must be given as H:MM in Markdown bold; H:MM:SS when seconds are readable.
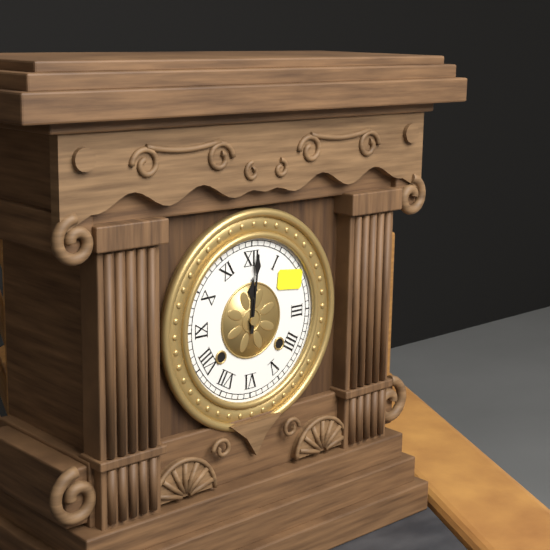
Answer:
**12:01**
